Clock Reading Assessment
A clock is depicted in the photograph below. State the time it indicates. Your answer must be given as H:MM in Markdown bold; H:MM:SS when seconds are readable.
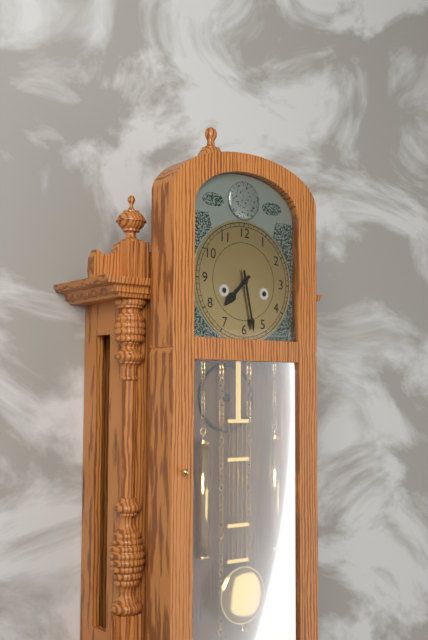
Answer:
**7:28**
